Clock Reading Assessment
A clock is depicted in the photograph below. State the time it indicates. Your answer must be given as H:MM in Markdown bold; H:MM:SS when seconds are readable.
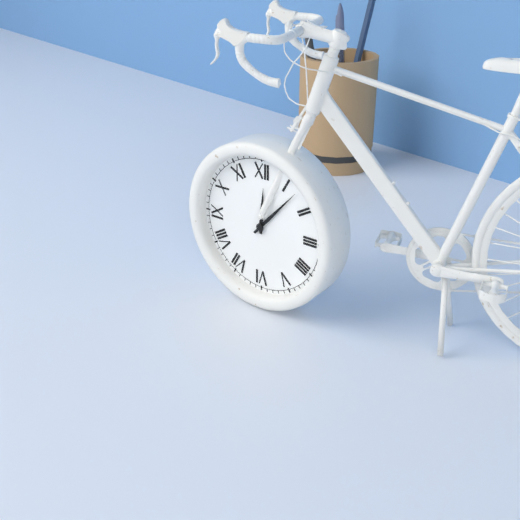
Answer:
**12:07**
